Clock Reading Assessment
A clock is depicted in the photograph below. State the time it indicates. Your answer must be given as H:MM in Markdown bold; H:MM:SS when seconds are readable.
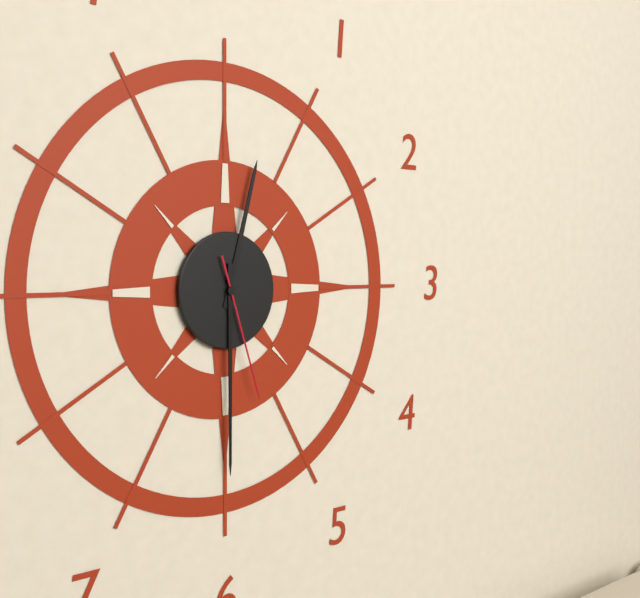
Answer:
**12:30:27**
